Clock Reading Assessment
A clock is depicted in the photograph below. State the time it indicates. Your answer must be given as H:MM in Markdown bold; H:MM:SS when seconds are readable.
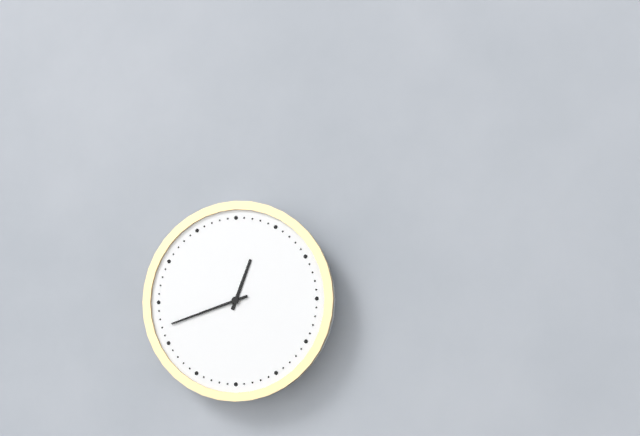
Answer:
**12:42**
